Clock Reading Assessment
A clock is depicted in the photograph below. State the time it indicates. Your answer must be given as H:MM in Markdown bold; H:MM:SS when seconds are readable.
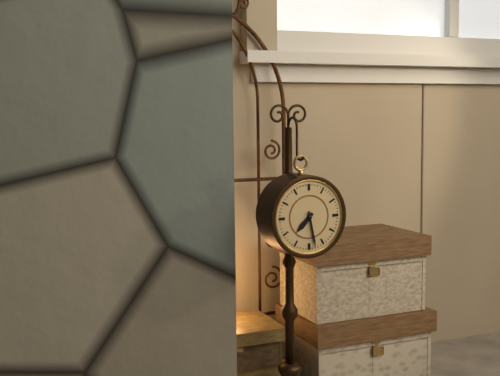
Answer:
**7:28**
